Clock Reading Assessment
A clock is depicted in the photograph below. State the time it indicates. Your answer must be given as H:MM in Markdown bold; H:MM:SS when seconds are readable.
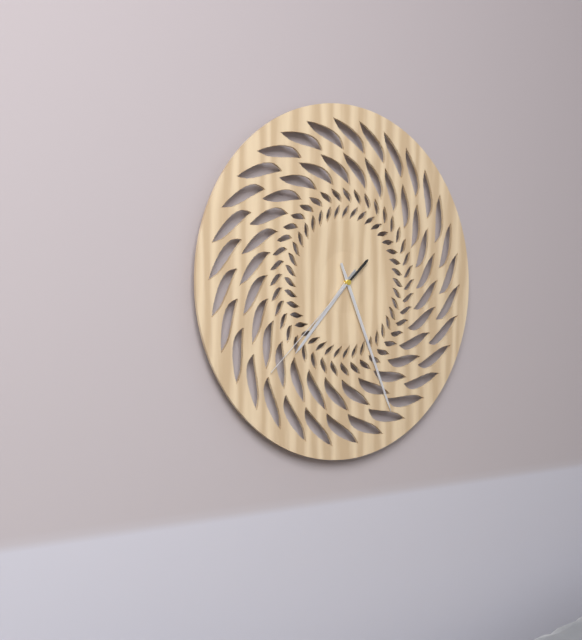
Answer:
**7:26:38**
